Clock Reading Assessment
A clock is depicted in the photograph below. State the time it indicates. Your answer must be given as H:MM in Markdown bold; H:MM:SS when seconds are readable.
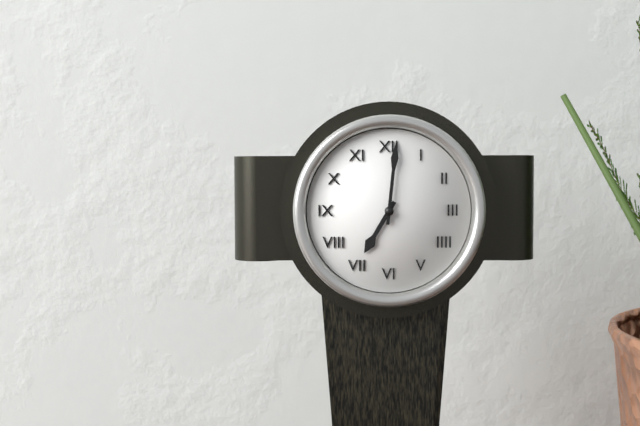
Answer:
**7:01**
